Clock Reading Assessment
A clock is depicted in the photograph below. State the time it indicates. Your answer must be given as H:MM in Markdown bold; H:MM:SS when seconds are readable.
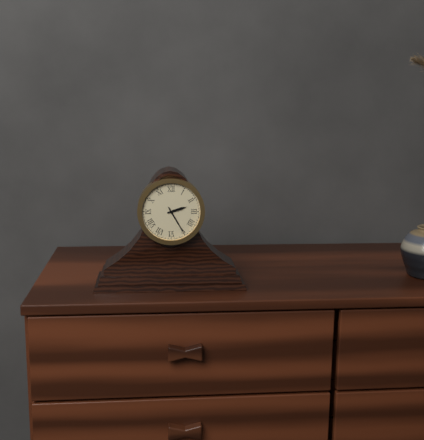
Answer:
**2:25**
